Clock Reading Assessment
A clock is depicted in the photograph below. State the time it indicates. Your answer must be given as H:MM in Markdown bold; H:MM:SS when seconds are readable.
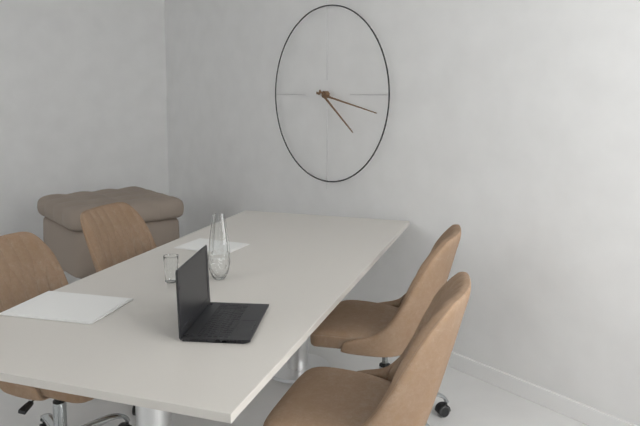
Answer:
**4:17**
